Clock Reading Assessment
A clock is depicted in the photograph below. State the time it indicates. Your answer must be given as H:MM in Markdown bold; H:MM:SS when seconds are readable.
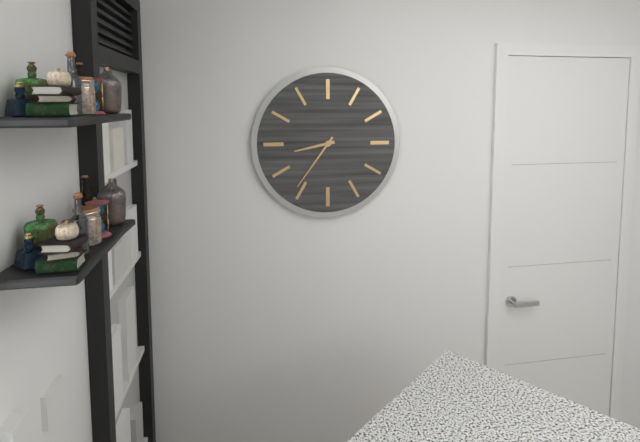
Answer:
**8:36**
